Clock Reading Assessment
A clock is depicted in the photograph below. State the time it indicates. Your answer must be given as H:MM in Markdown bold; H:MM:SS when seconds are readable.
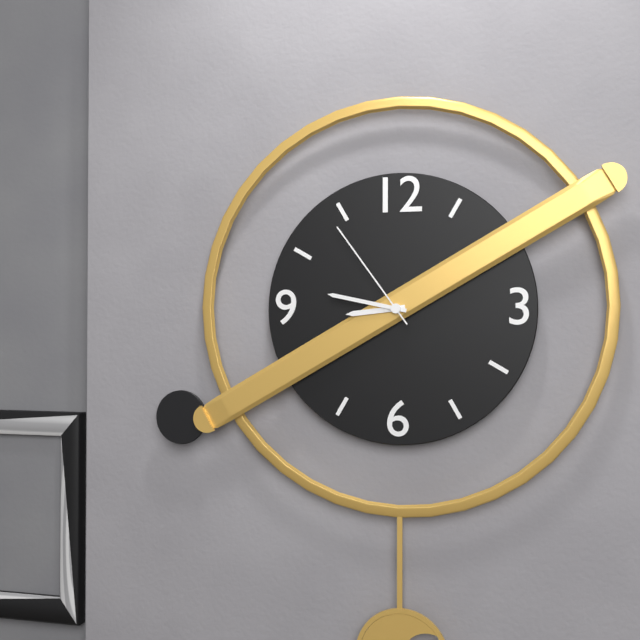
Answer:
**8:47:54**
